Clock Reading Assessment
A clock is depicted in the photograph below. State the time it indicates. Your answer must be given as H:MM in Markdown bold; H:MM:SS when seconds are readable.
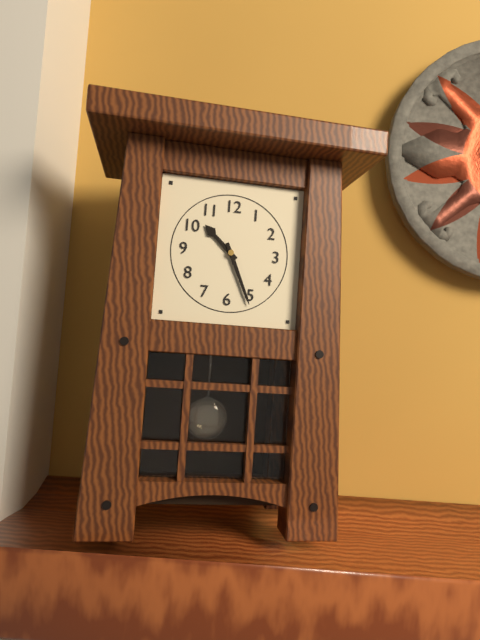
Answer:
**10:26**
